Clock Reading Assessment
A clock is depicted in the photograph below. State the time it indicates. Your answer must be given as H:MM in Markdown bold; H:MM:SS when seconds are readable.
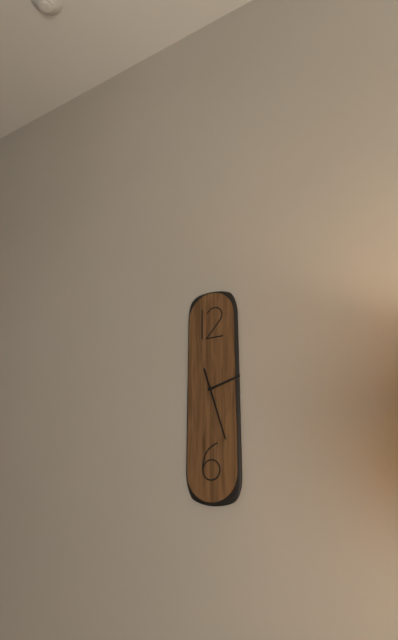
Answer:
**2:27**
